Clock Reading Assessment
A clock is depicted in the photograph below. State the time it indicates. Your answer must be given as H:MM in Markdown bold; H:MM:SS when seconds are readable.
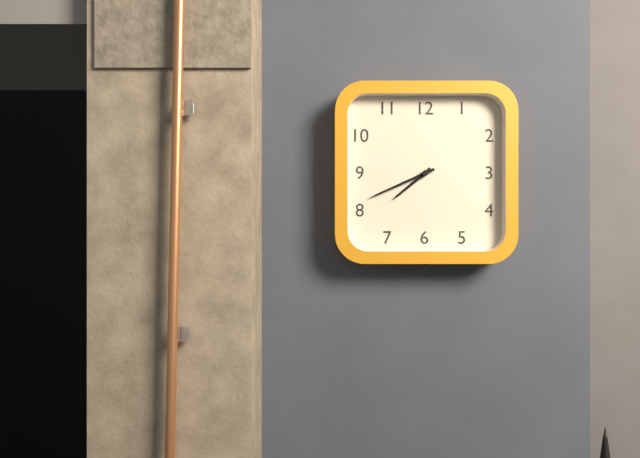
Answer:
**7:41**
